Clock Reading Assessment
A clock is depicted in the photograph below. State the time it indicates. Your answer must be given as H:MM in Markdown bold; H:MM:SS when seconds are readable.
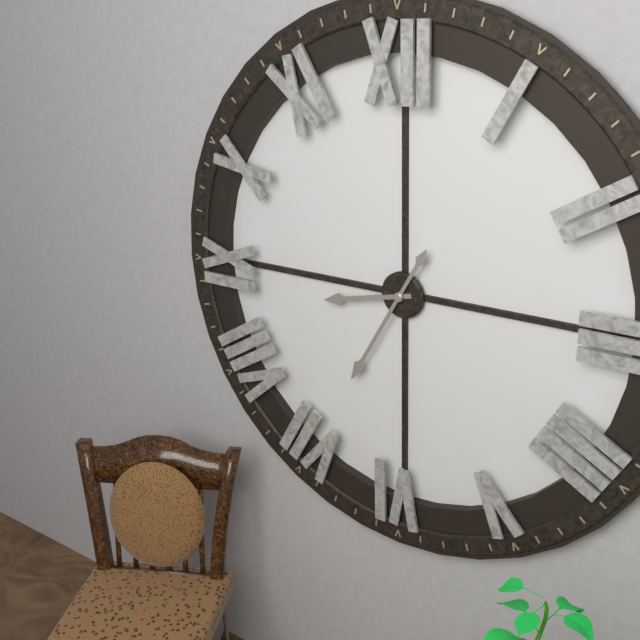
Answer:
**8:35**
